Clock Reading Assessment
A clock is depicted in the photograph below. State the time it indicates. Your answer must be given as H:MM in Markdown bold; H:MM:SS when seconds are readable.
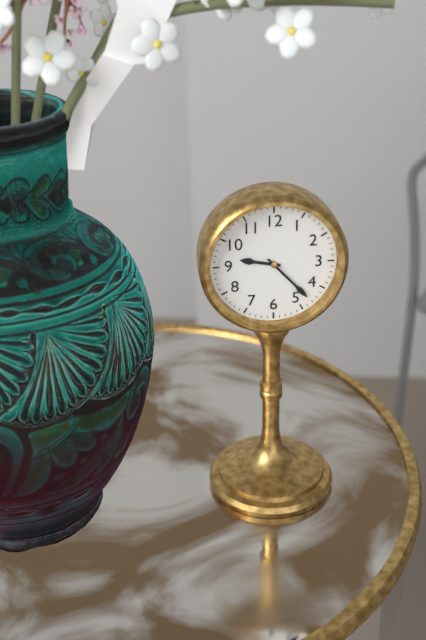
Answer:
**9:23**
